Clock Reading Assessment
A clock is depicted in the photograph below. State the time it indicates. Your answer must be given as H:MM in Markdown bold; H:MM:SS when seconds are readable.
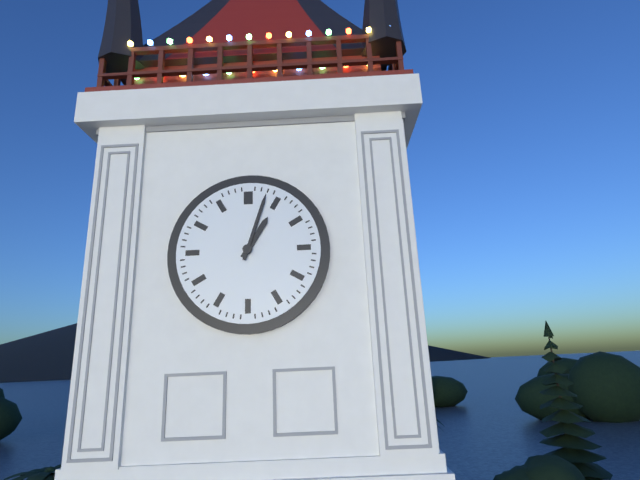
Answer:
**1:03**
